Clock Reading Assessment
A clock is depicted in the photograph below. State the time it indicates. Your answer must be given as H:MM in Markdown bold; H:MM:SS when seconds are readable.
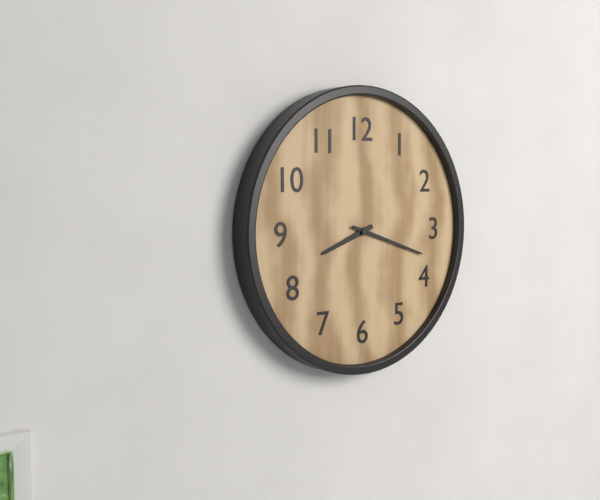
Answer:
**8:18**
